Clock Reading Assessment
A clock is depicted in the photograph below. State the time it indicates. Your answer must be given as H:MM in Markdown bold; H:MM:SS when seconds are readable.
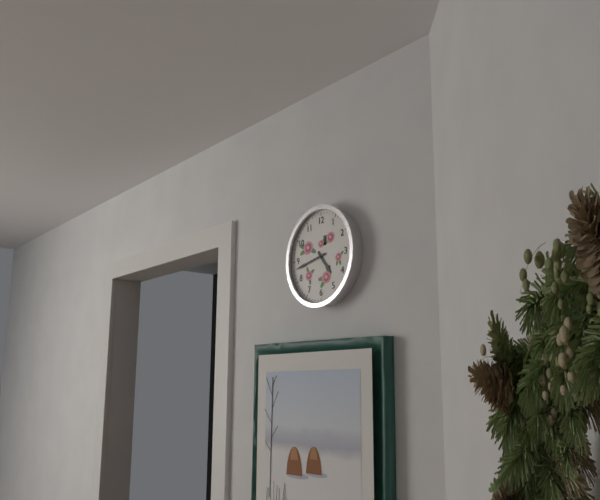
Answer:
**4:43**
